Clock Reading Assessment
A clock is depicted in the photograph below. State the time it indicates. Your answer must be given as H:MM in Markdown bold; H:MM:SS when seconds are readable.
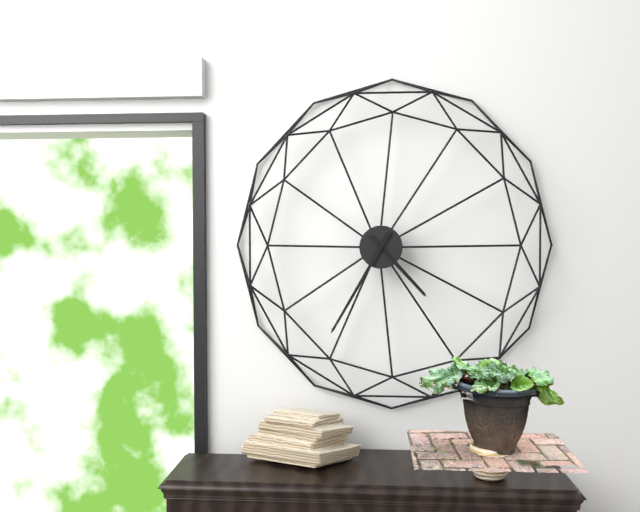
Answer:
**4:35**
